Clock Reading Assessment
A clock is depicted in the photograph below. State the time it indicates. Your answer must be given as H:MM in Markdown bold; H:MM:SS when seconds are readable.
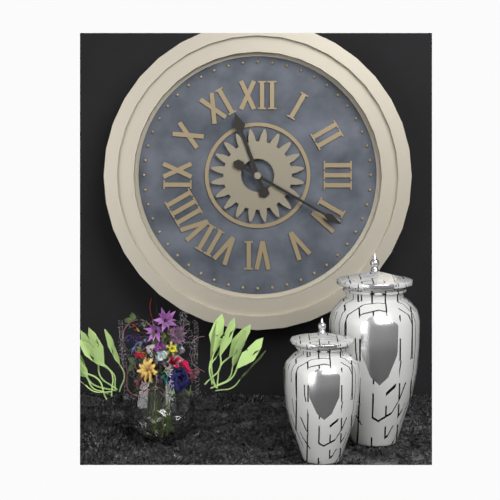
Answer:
**11:20**
